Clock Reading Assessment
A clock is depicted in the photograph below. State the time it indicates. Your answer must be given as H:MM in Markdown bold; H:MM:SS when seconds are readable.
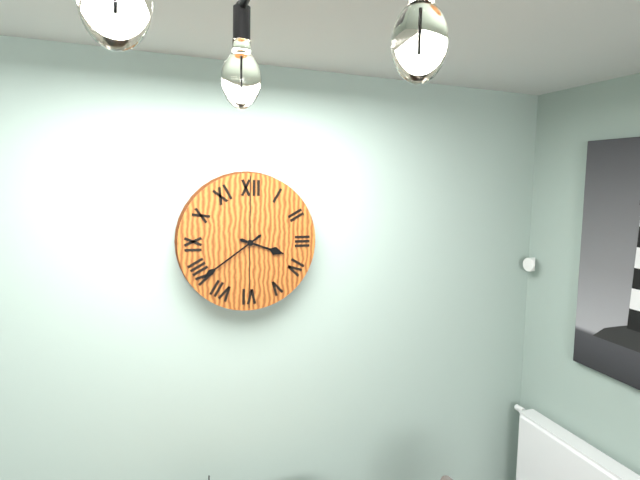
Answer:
**3:39**
